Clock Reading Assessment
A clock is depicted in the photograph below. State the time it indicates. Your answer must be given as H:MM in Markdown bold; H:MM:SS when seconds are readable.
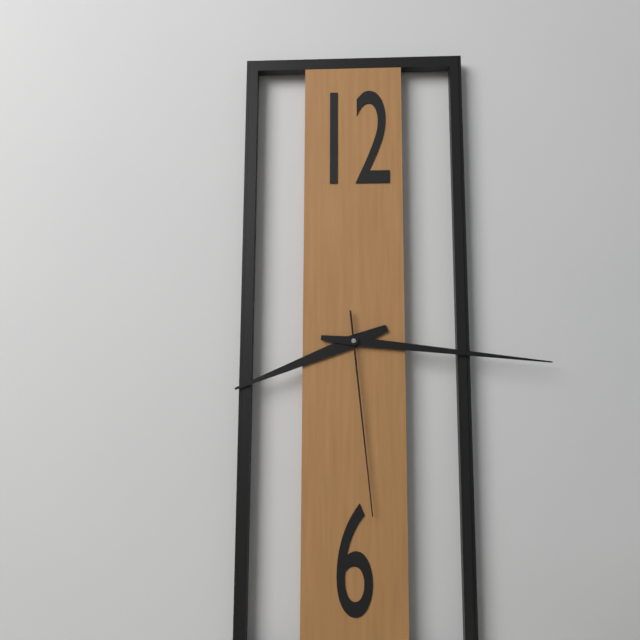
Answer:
**8:16:29**
